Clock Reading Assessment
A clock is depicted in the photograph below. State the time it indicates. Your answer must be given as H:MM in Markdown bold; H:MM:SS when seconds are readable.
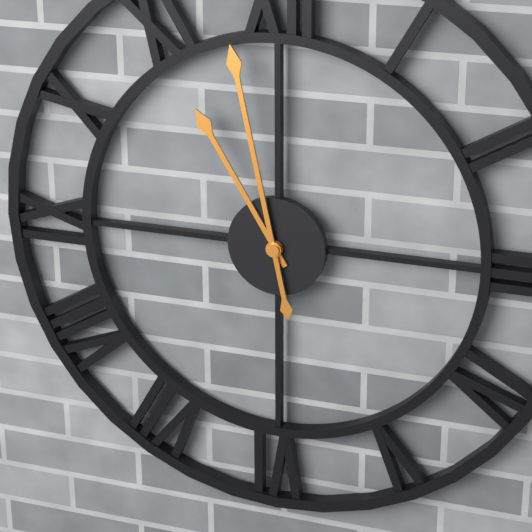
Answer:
**10:58**
